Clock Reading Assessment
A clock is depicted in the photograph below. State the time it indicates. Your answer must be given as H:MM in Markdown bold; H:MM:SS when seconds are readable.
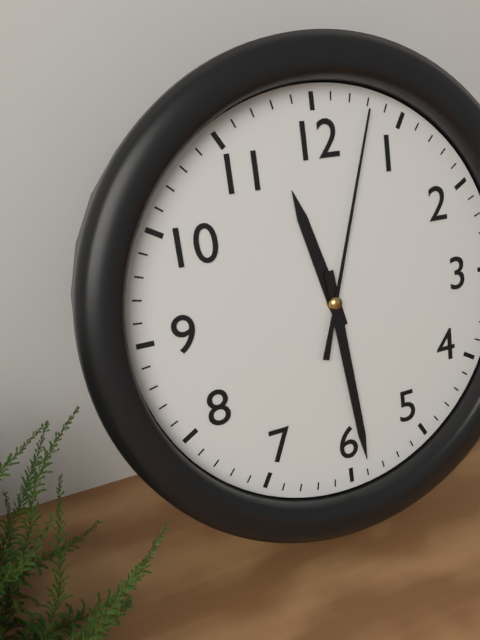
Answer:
**11:29:03**
